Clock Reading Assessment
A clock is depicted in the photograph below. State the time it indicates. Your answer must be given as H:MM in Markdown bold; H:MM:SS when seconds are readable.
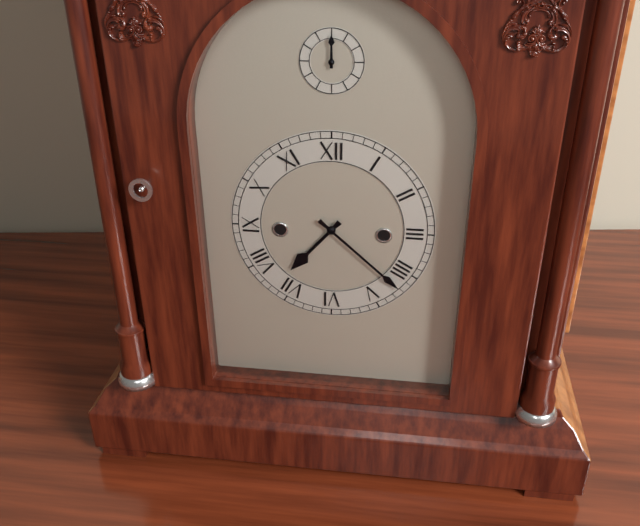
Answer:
**7:22**
